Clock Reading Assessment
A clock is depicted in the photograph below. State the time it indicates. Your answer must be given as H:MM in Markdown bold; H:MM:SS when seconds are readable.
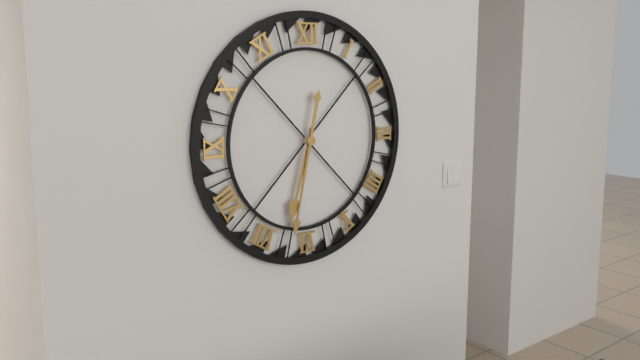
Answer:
**6:32**
